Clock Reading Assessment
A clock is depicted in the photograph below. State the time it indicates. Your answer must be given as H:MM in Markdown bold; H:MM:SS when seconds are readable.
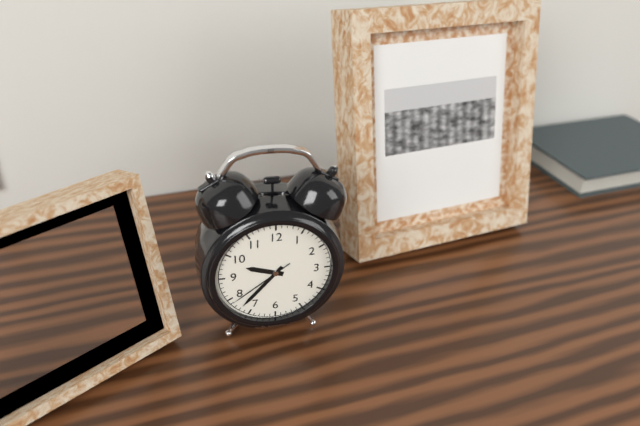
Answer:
**9:37:39**
